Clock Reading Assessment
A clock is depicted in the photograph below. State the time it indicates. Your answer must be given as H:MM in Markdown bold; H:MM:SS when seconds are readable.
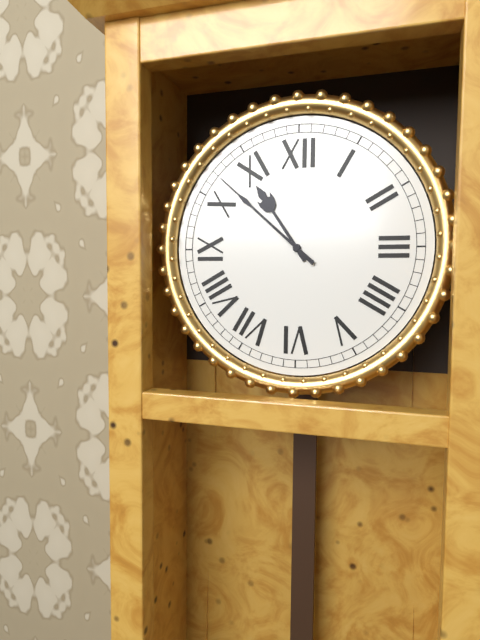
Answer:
**10:52**
